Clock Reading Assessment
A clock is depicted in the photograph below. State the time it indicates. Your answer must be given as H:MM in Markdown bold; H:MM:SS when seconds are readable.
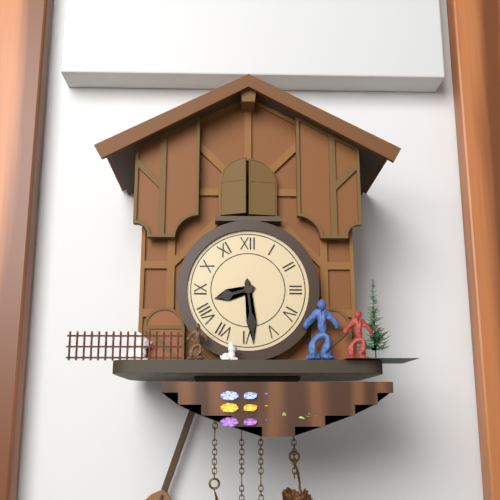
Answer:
**8:29**
